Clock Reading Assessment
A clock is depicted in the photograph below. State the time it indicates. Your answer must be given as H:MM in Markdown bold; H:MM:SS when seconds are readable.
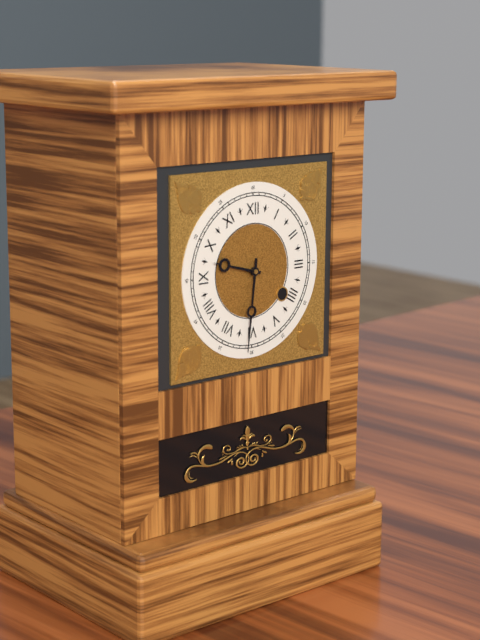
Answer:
**9:31**
